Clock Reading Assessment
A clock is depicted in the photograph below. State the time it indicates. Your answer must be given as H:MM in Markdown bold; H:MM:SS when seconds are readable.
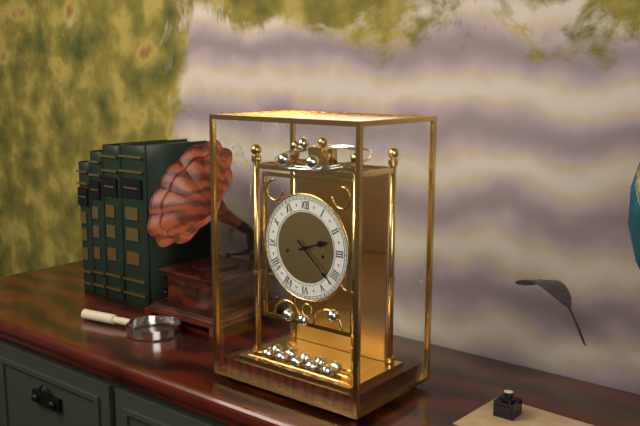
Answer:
**2:22**
